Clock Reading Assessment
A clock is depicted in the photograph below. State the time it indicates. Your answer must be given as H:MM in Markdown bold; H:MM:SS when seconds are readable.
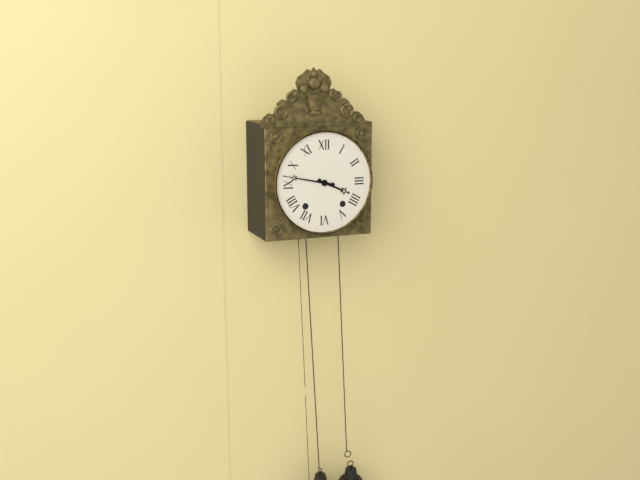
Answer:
**3:47**
